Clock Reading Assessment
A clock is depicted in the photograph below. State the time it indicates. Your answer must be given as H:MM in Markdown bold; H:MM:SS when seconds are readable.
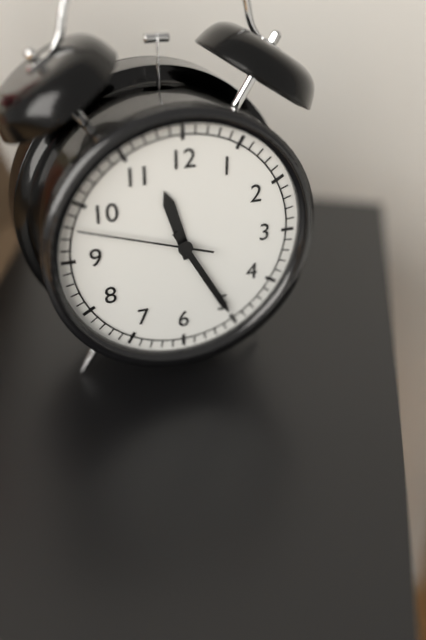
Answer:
**11:25:48**
